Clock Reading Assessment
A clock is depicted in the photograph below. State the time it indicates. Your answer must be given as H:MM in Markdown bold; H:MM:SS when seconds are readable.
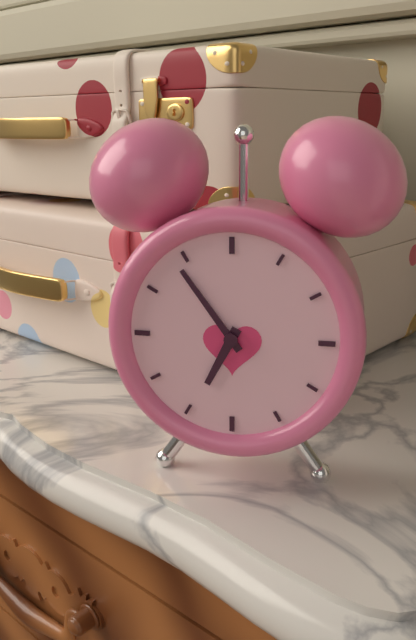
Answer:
**6:54**
